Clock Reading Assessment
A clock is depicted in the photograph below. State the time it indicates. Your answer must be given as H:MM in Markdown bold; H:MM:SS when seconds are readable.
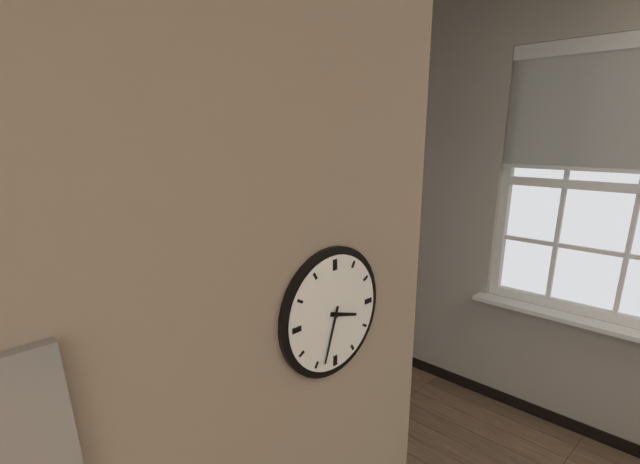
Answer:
**3:33**
